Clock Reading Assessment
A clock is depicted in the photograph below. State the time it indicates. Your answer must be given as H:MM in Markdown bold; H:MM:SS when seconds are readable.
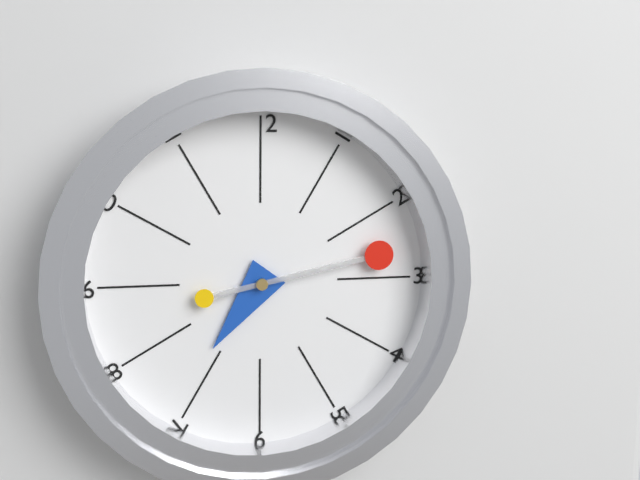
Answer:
**7:13**
